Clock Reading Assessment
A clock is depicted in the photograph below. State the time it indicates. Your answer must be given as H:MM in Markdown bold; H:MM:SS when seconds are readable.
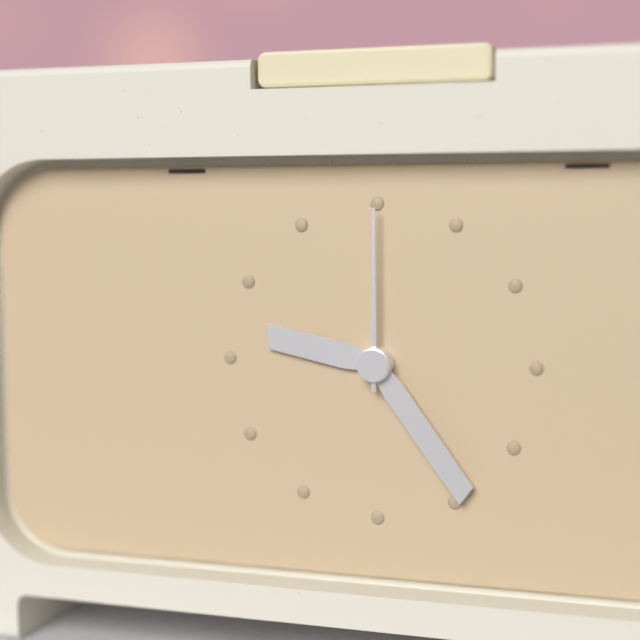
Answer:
**9:24:00**
